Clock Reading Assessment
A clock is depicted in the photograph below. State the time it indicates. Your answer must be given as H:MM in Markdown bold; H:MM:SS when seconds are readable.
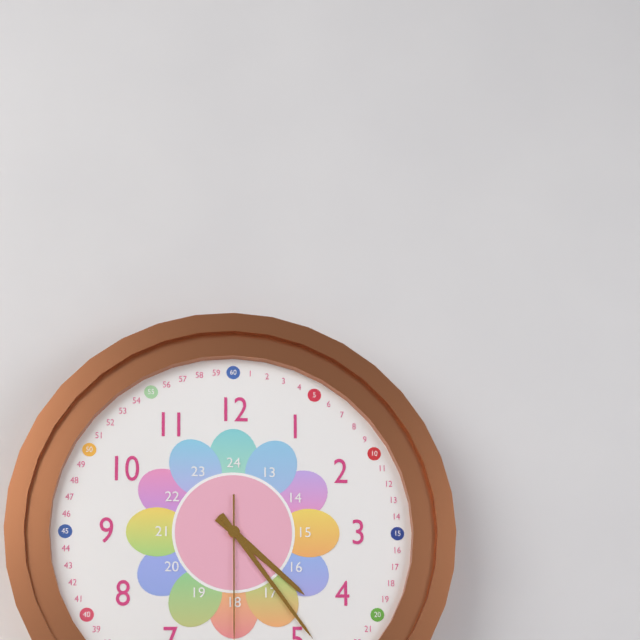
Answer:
**4:24**
